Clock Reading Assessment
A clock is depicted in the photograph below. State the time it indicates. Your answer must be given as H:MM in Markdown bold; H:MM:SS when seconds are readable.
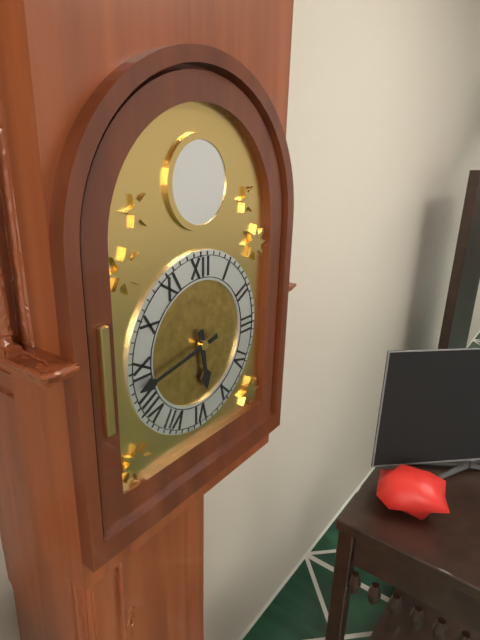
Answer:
**5:43**
